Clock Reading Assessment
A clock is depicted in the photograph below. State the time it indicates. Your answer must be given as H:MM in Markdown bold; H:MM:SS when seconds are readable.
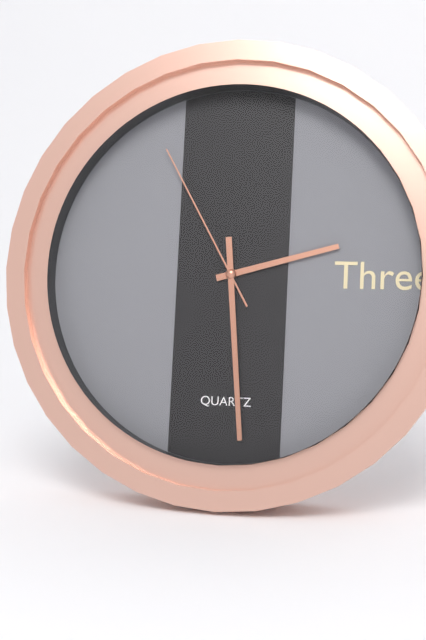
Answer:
**2:29:55**
